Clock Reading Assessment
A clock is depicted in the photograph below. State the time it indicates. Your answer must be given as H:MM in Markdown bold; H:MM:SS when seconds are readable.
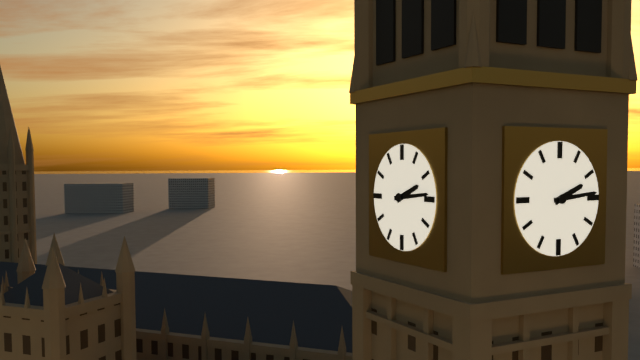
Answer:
**2:14**
